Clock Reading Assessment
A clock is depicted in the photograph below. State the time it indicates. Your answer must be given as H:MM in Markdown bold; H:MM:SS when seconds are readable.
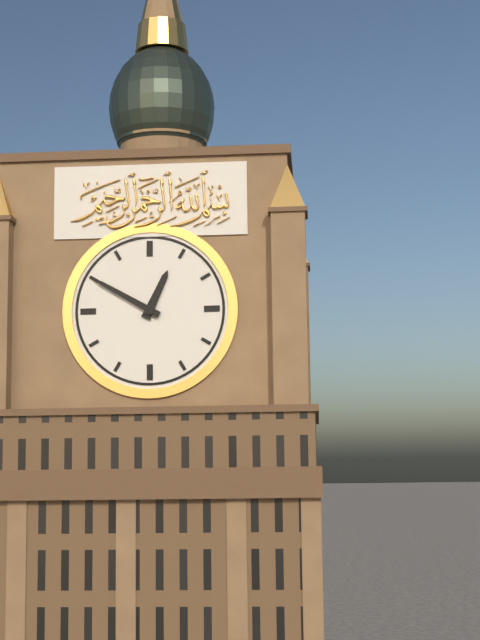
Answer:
**12:50**
